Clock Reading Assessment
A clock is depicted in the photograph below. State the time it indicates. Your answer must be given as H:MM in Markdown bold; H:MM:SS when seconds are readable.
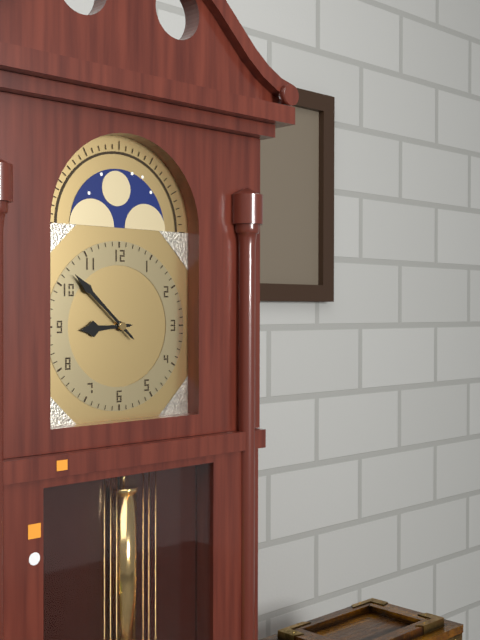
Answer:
**8:52**
